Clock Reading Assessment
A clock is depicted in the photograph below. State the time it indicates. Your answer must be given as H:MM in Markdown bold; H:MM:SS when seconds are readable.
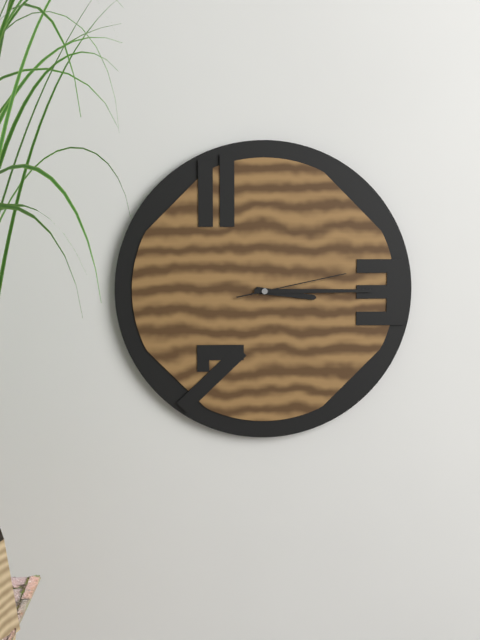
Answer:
**3:15:13**
